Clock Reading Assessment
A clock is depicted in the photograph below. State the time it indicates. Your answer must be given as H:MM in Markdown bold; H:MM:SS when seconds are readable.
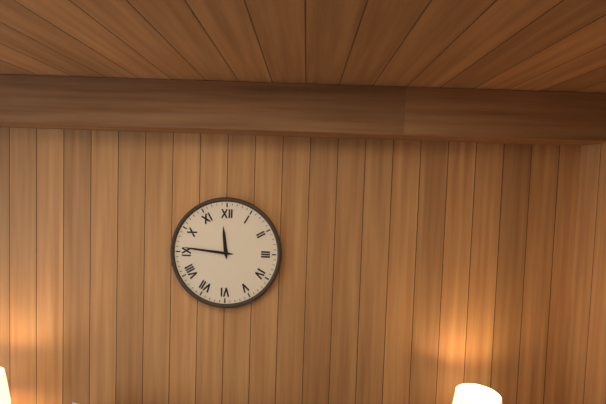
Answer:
**11:46**
